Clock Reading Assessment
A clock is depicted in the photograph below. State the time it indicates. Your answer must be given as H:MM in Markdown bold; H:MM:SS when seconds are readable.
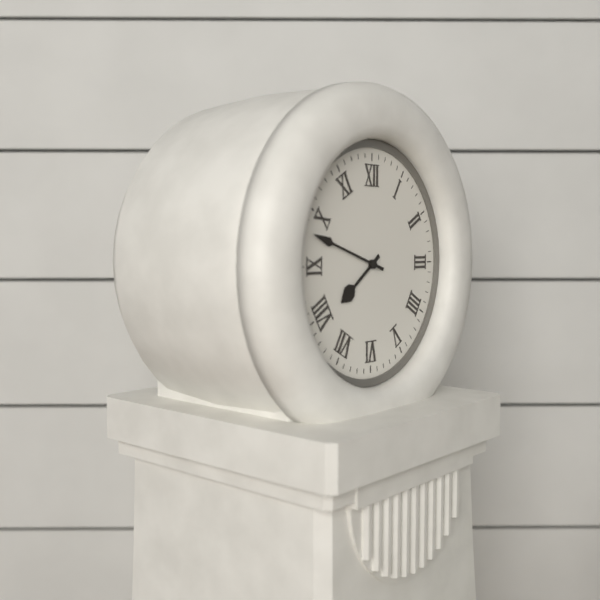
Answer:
**7:48**
